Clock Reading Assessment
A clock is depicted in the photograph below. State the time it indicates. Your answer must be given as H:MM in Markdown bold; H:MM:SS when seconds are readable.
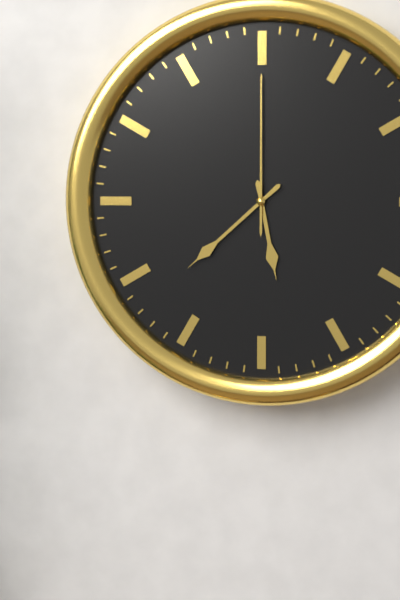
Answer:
**5:38:00**
